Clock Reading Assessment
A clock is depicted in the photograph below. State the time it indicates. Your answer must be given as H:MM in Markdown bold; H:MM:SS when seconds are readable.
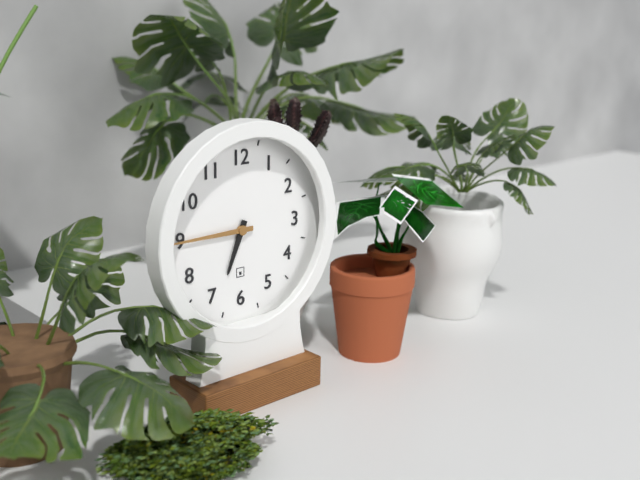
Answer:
**6:45**
